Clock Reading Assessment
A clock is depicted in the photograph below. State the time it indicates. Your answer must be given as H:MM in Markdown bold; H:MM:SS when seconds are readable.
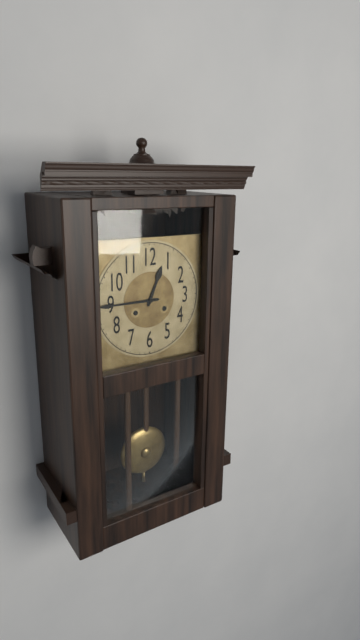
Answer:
**12:45**
